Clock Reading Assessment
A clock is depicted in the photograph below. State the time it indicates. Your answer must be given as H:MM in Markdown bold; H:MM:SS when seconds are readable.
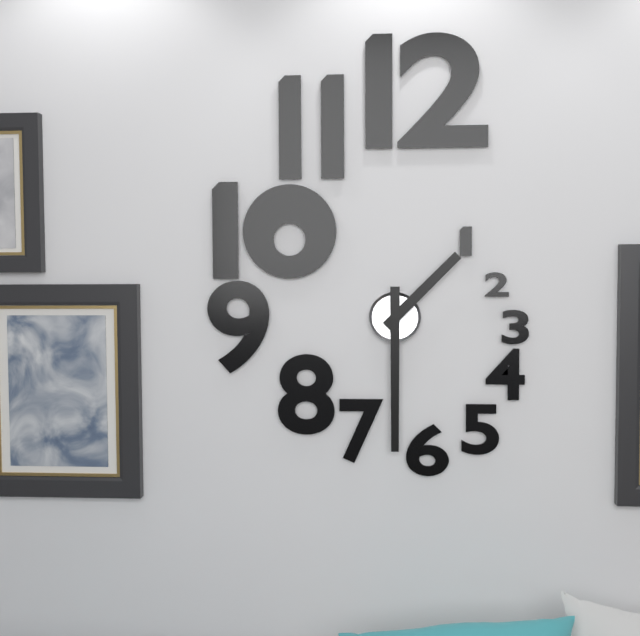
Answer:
**1:30**
